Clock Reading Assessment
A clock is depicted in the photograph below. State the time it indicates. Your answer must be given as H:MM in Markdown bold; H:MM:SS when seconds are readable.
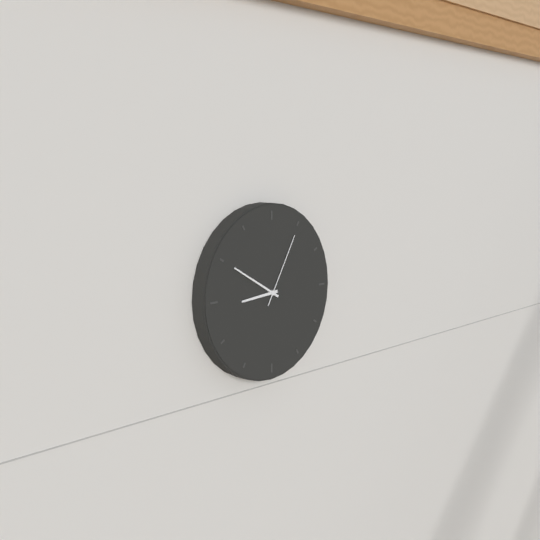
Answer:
**8:50:05**
